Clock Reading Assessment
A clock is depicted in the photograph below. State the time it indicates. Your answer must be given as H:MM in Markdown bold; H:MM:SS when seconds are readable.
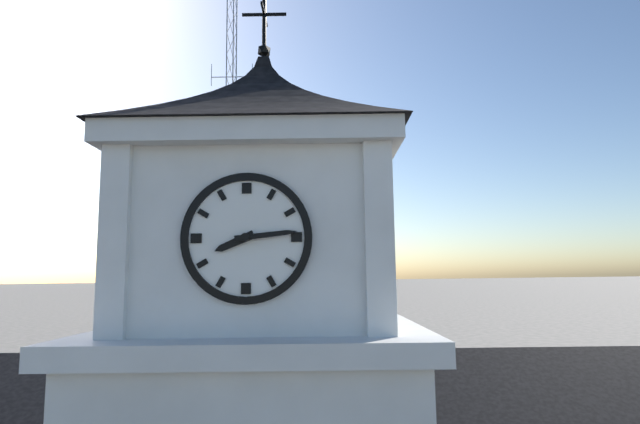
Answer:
**8:14**
